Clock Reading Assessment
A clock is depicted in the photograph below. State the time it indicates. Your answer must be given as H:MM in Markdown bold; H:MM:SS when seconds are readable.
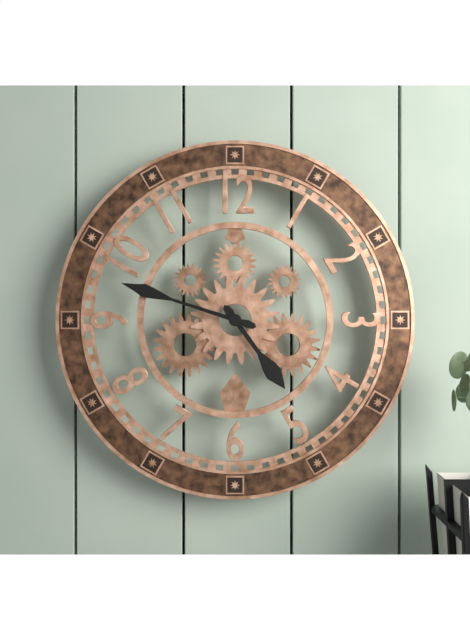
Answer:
**4:48**
